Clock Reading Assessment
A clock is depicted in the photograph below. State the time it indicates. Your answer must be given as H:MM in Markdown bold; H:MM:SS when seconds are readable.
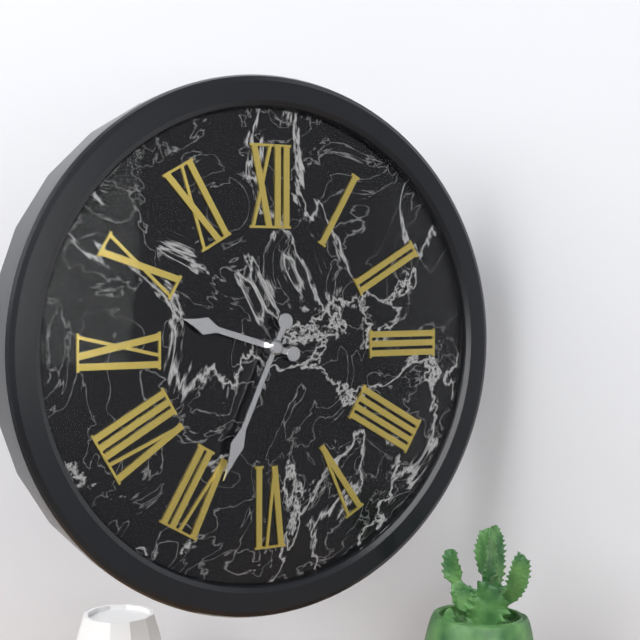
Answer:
**9:34**
